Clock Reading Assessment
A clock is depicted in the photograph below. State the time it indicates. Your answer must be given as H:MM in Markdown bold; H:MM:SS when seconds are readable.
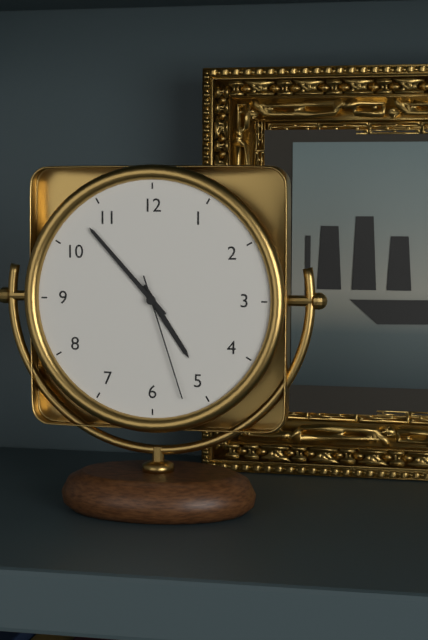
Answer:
**4:53:27**
